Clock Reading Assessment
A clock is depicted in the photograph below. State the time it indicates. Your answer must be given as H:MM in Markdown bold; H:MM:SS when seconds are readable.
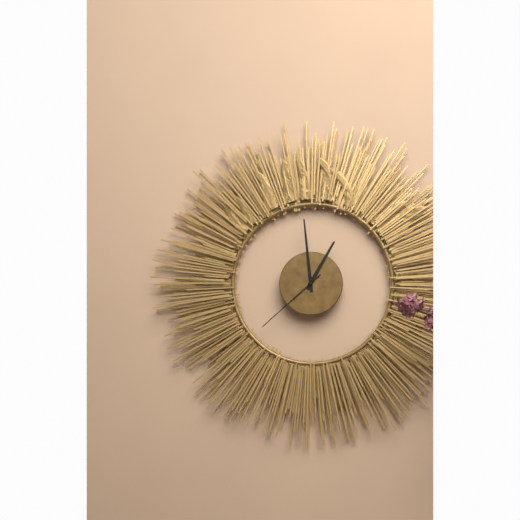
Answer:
**12:59:38**
